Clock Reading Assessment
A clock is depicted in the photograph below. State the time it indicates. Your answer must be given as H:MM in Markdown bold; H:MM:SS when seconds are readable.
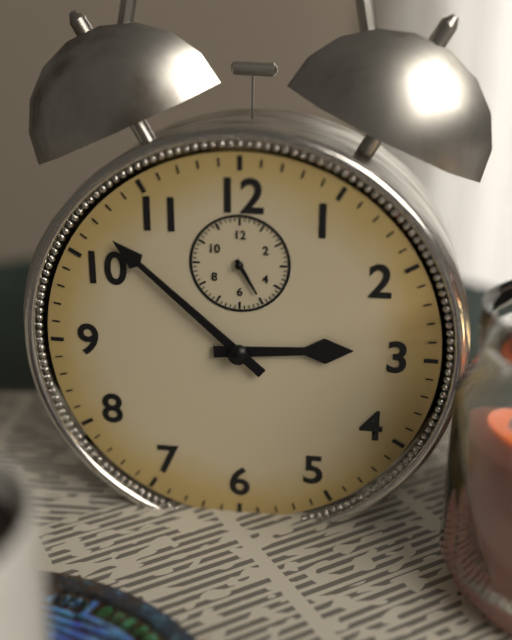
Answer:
**2:52**
